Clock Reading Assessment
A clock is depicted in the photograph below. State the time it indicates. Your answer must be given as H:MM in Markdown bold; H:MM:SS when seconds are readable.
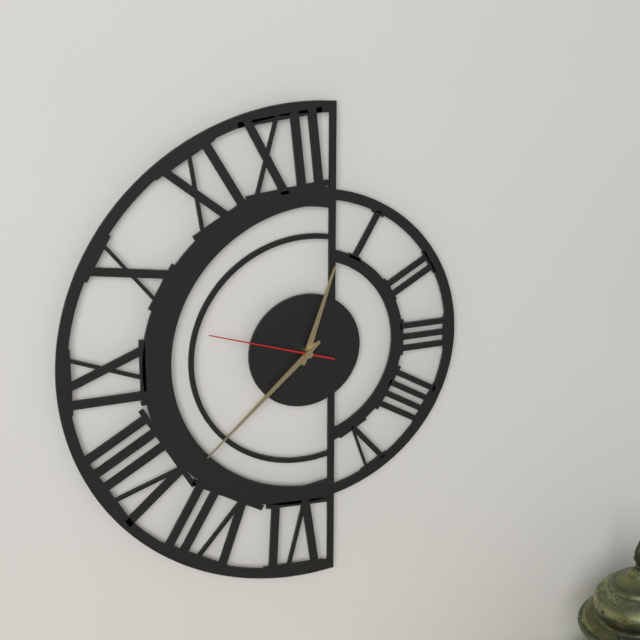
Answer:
**12:38:48**
